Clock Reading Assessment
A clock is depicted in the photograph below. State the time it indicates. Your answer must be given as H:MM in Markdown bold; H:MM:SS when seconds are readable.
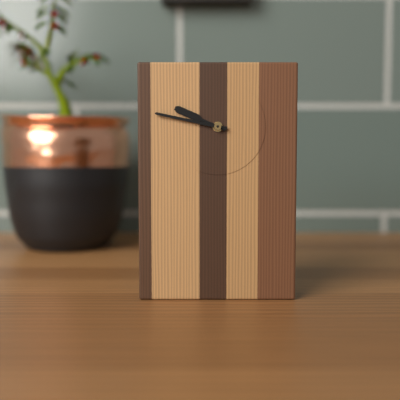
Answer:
**9:47**
